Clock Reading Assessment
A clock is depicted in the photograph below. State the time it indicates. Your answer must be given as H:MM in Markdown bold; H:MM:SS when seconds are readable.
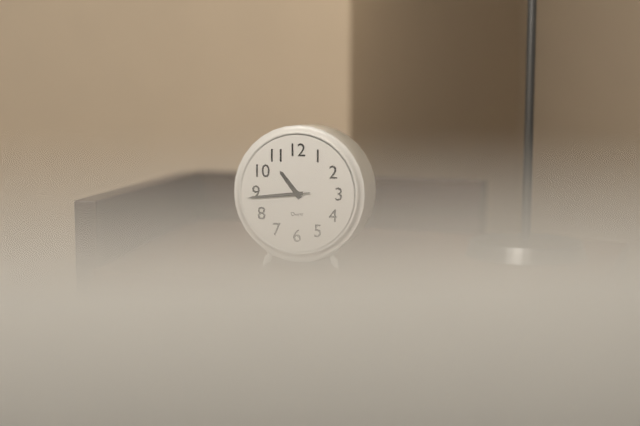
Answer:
**10:44:44**
